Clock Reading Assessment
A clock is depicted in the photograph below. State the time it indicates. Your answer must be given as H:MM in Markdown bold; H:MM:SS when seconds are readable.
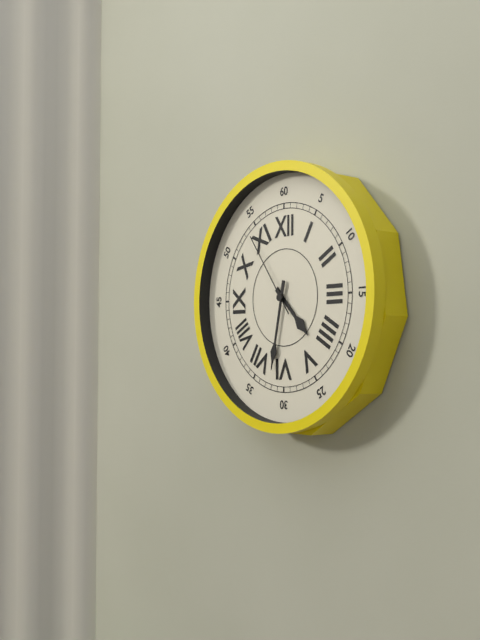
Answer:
**4:32:54**
